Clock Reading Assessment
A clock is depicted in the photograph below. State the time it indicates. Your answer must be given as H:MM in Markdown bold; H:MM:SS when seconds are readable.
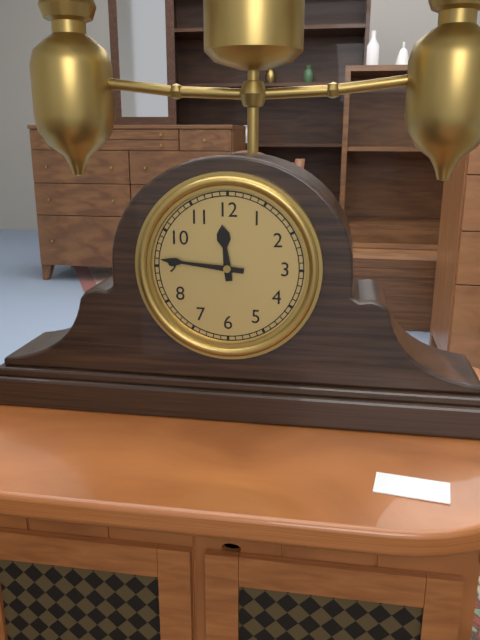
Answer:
**11:46**
